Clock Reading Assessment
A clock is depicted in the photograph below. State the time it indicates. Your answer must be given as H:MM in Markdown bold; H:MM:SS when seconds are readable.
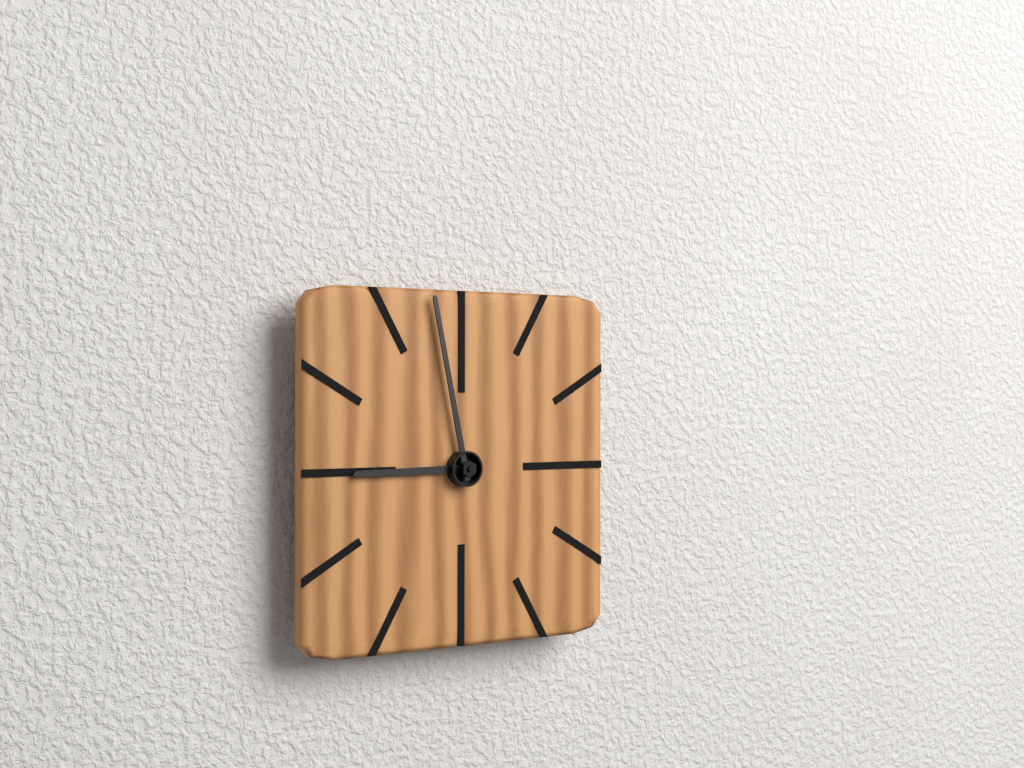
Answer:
**8:58**
